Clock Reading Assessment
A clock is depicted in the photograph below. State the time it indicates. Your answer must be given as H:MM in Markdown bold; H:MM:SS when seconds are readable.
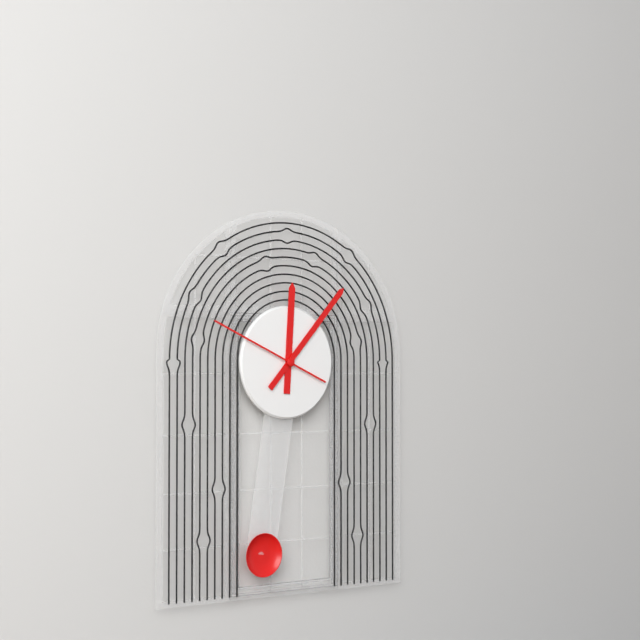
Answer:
**12:07:49**
